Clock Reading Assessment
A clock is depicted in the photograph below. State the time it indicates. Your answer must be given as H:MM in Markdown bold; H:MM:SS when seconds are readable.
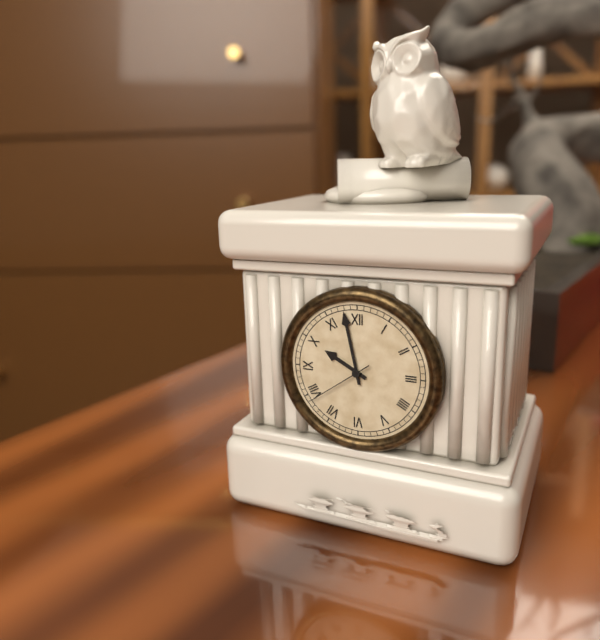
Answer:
**9:58:39**
